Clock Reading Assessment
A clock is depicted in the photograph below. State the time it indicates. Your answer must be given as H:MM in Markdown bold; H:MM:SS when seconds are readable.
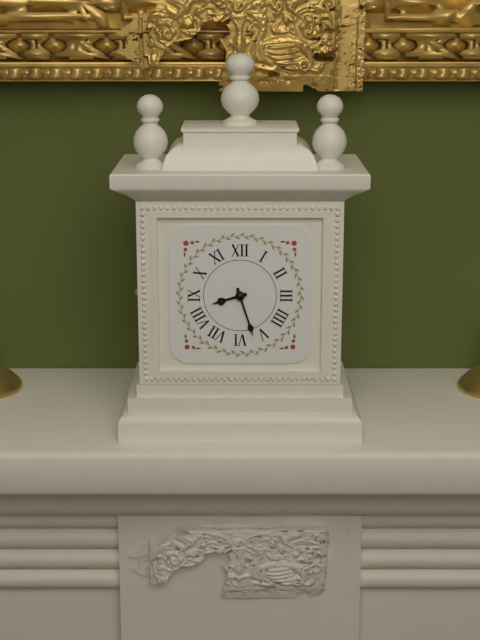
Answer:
**8:27**
